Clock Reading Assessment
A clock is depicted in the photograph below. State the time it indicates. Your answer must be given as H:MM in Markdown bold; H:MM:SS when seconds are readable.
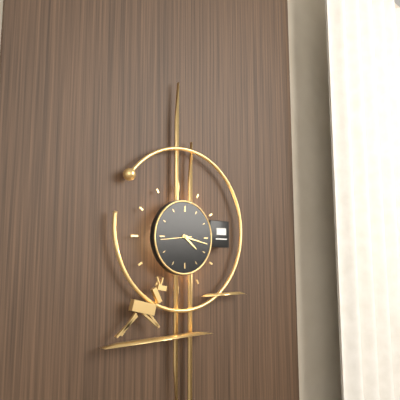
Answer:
**4:17**
